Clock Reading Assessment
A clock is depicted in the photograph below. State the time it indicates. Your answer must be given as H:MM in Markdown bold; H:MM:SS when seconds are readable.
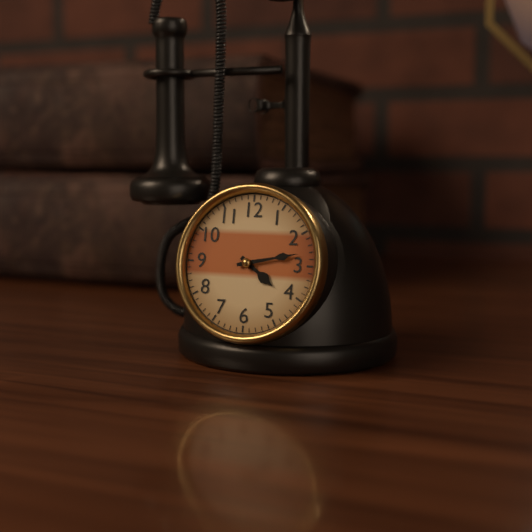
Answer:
**4:13**
